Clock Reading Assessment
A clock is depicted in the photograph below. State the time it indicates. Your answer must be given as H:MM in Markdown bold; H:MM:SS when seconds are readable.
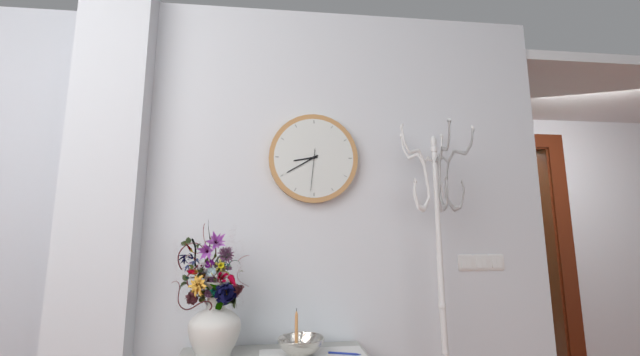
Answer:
**8:40**
